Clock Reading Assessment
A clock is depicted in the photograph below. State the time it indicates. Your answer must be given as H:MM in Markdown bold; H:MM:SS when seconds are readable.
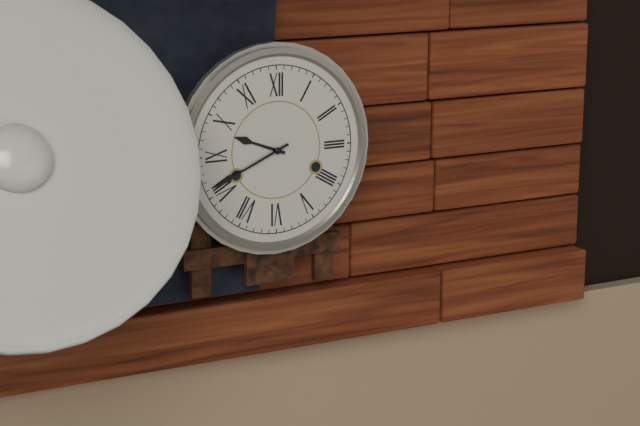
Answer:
**9:41**
